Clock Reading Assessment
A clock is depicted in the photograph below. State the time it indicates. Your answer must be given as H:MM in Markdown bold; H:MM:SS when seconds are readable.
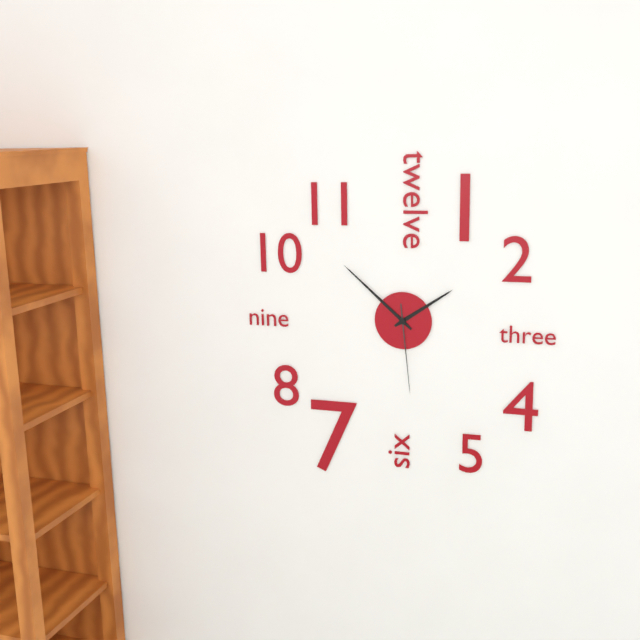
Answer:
**1:52:29**
